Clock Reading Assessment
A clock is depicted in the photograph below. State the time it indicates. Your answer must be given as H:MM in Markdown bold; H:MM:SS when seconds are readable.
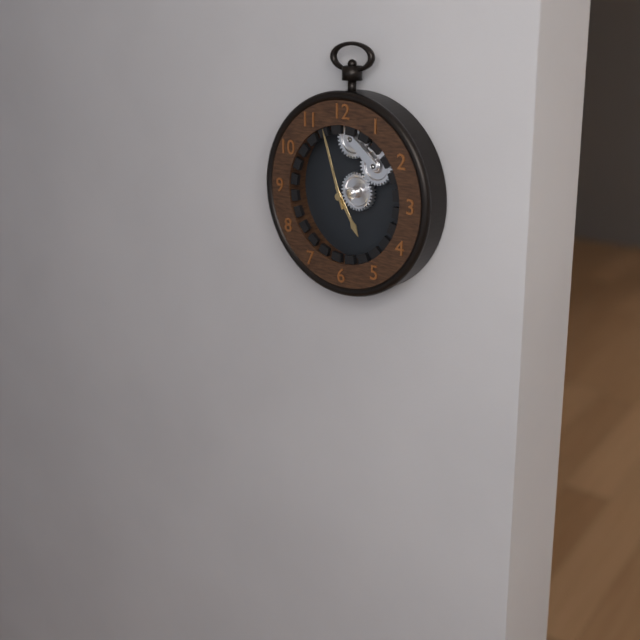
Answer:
**4:57**
